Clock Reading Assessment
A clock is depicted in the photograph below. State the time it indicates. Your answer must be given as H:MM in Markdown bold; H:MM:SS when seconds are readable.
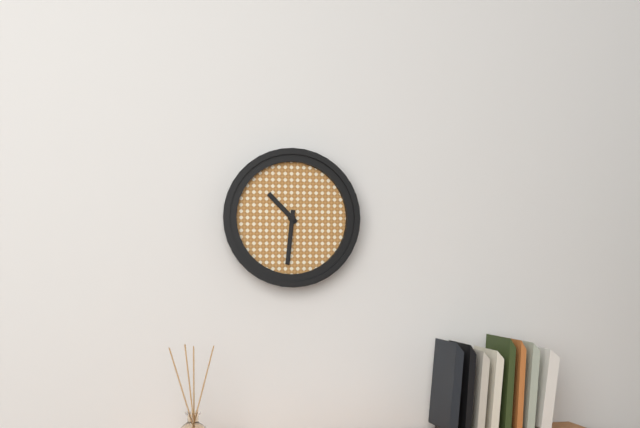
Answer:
**10:31**
